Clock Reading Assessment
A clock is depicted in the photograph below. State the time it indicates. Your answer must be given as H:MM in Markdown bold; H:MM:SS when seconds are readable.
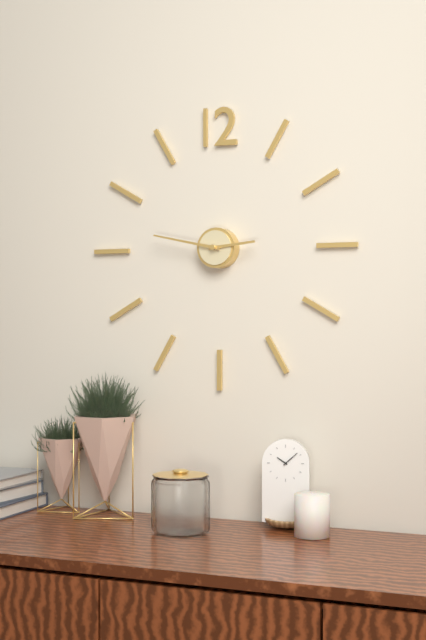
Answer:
**2:47**
